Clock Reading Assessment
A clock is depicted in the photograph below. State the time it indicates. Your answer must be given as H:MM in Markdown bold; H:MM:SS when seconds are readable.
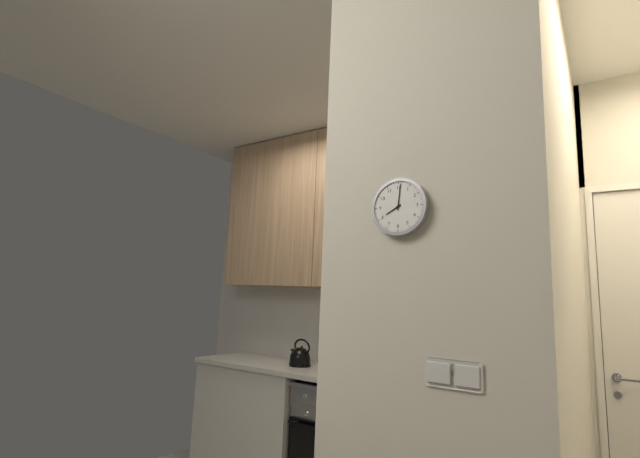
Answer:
**8:01**
